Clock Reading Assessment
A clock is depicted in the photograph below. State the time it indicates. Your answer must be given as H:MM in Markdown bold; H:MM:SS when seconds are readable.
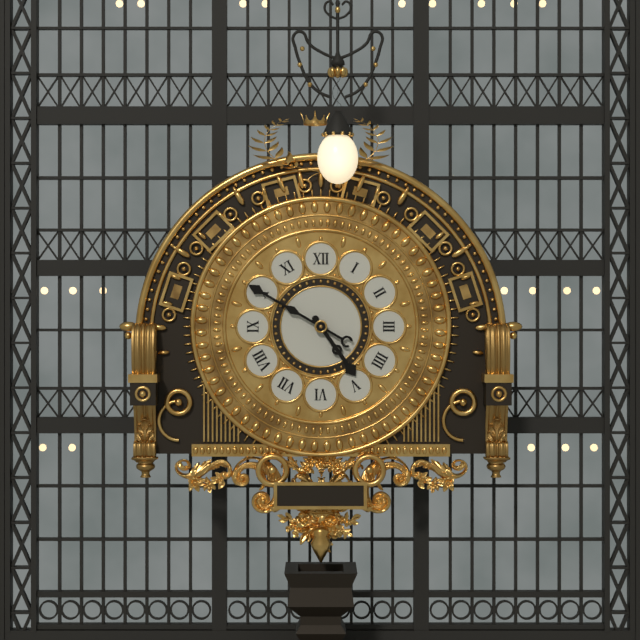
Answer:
**4:50**
